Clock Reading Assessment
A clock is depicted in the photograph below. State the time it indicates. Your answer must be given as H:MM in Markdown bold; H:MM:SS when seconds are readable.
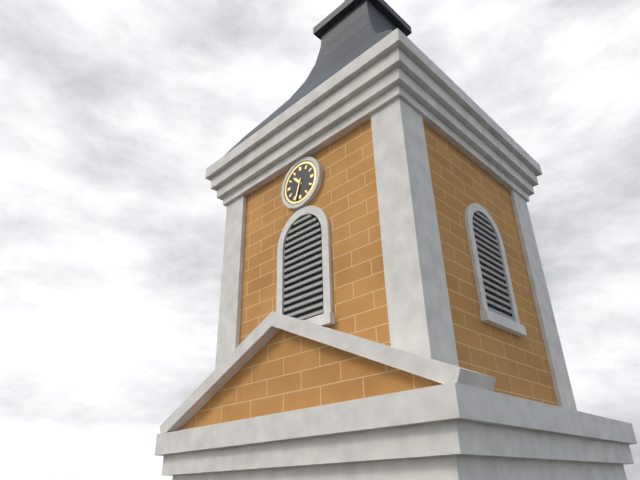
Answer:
**10:33**
